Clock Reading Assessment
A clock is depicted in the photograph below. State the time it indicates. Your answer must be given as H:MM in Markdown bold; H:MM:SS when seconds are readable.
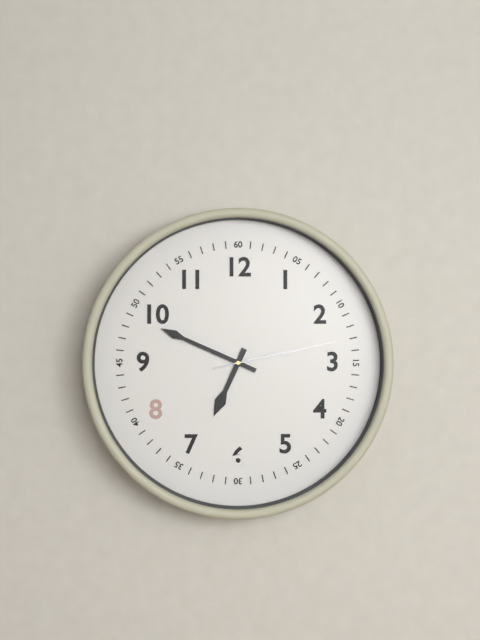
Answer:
**6:49:13**
